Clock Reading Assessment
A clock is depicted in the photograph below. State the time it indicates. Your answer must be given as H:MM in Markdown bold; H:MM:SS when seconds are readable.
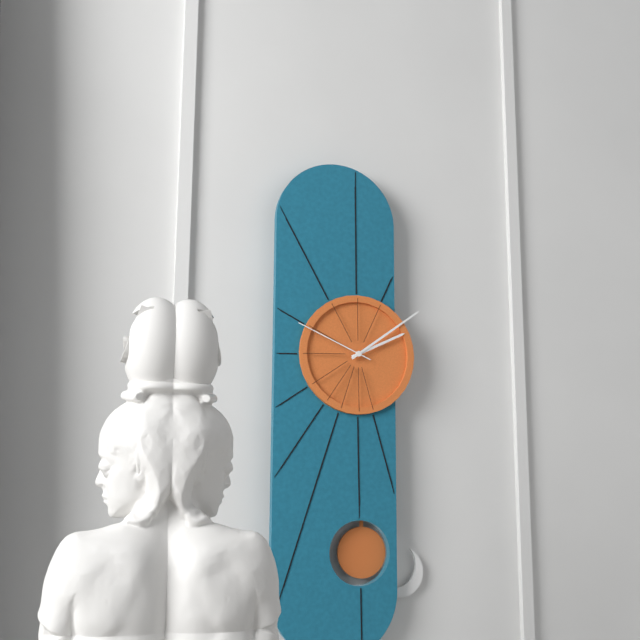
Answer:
**2:09:49**
